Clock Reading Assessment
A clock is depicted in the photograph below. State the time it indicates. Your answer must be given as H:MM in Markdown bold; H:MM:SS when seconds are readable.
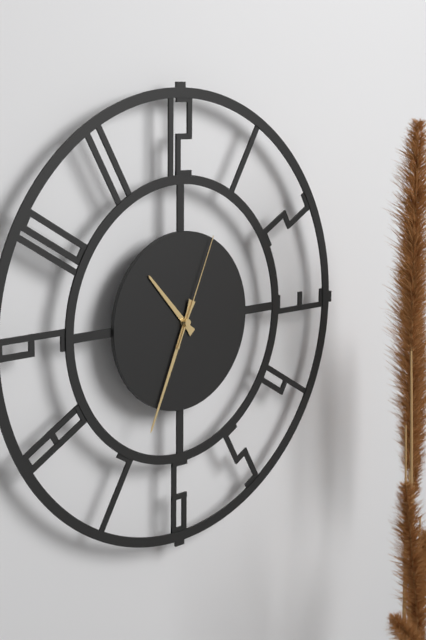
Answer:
**10:34:04**
